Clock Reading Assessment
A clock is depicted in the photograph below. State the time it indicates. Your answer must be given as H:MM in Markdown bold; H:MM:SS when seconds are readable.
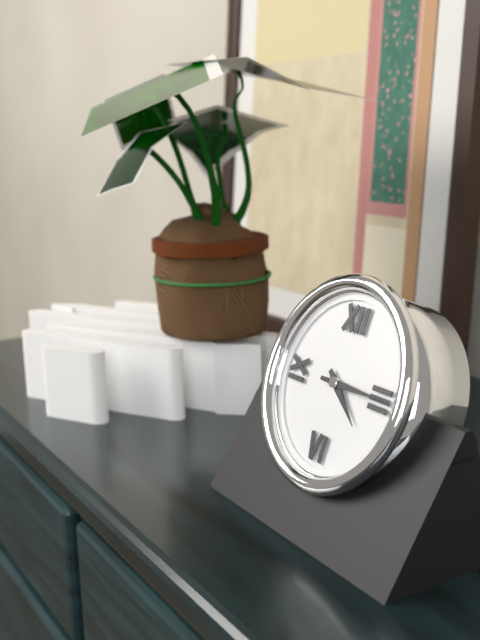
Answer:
**4:15**
